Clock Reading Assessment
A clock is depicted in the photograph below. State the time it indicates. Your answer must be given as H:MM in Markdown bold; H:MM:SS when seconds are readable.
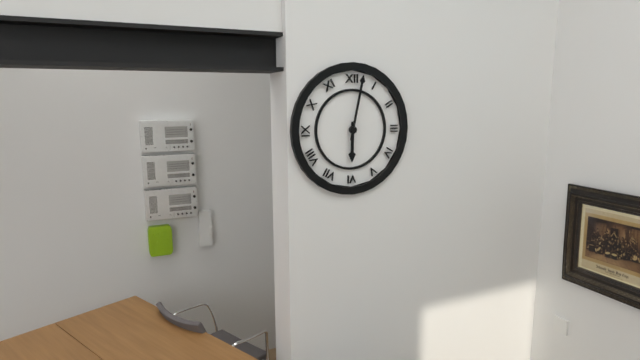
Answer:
**6:02**
